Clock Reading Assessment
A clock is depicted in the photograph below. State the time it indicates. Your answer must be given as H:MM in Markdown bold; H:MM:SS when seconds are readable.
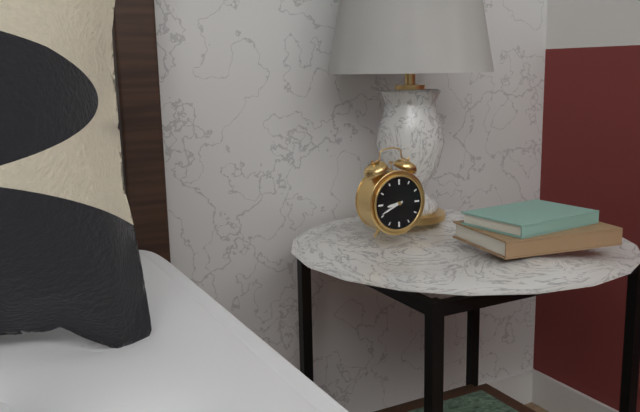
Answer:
**8:41**
